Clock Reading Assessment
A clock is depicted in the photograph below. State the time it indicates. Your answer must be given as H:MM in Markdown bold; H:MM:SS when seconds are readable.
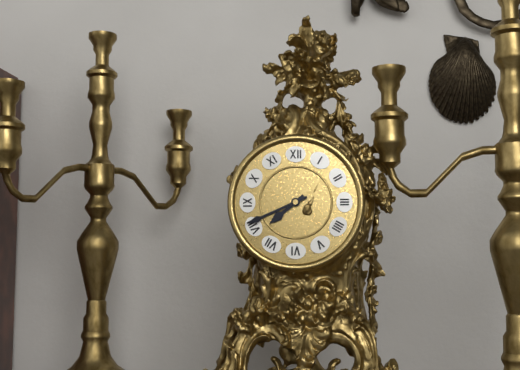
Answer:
**7:41**
